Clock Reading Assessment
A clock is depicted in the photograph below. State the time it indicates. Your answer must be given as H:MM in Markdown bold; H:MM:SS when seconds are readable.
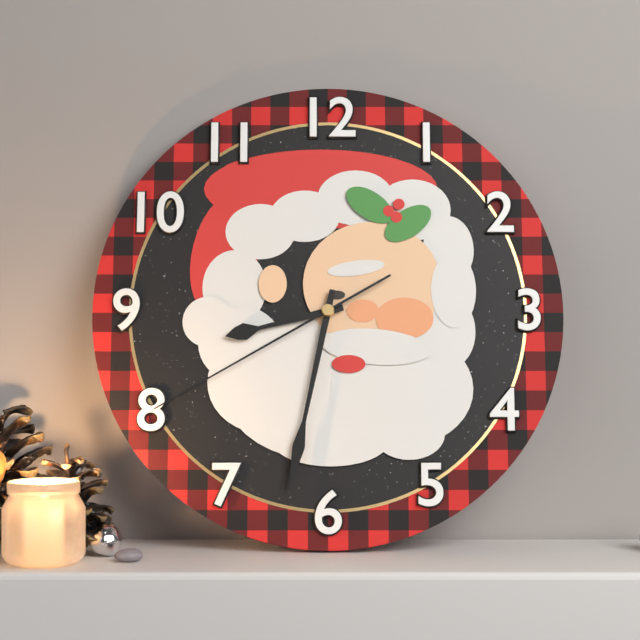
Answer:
**8:32:40**
